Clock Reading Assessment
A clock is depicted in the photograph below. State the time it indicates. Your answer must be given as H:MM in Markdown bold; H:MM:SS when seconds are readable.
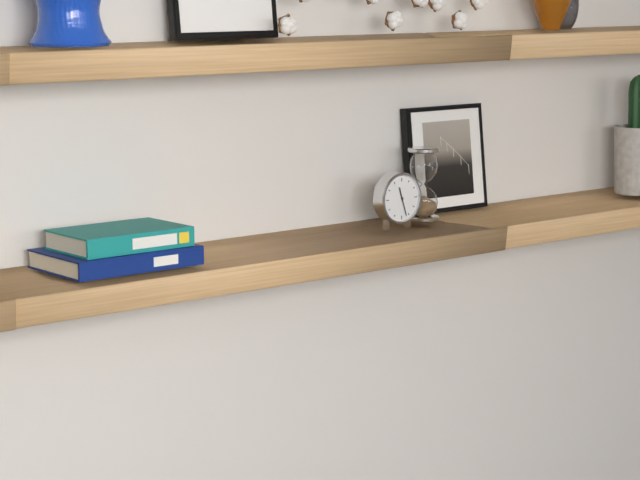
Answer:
**11:27**
